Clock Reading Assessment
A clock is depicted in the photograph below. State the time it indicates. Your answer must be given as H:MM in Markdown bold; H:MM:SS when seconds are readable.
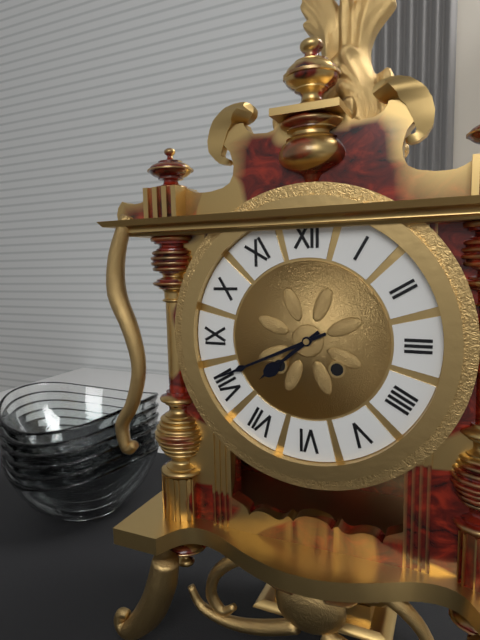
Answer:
**7:41**
